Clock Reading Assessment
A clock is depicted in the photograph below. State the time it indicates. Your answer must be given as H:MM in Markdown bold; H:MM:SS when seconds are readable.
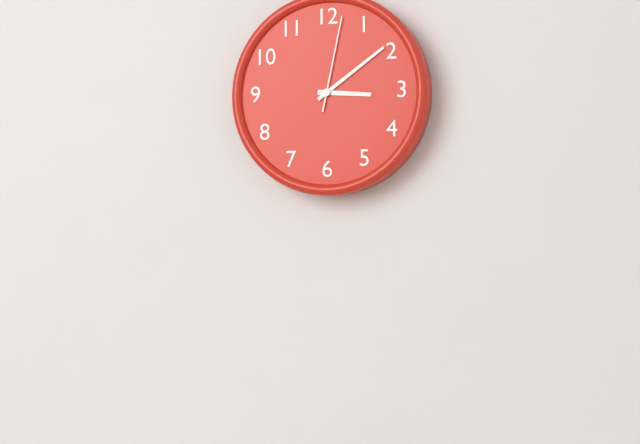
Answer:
**3:09:02**
